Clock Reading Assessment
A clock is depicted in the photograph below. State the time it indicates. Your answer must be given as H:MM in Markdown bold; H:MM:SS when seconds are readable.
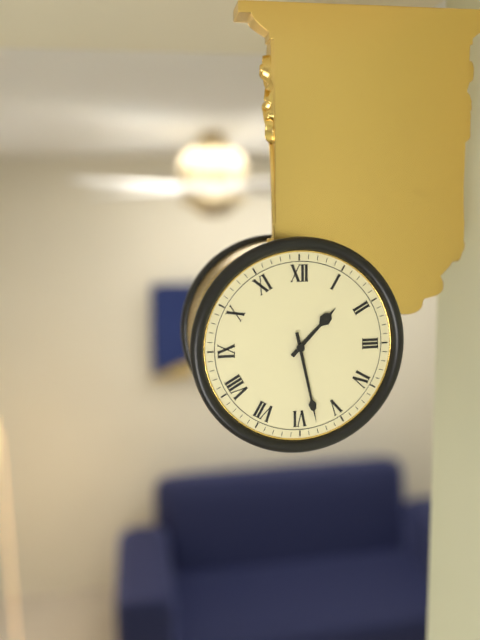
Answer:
**1:28**
